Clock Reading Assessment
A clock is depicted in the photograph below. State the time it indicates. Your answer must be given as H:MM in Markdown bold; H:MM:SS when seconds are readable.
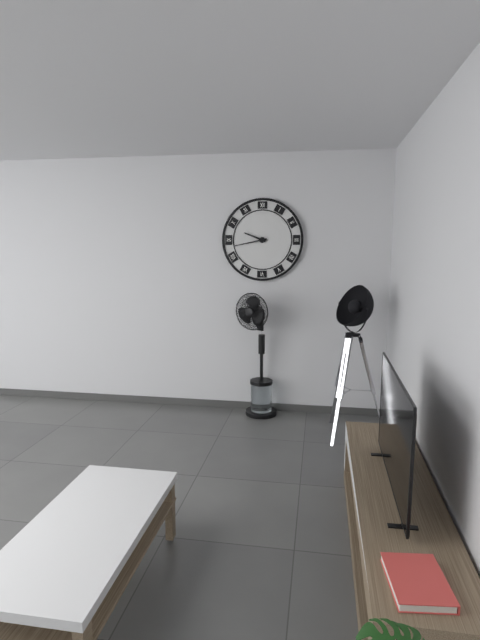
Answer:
**9:43**
